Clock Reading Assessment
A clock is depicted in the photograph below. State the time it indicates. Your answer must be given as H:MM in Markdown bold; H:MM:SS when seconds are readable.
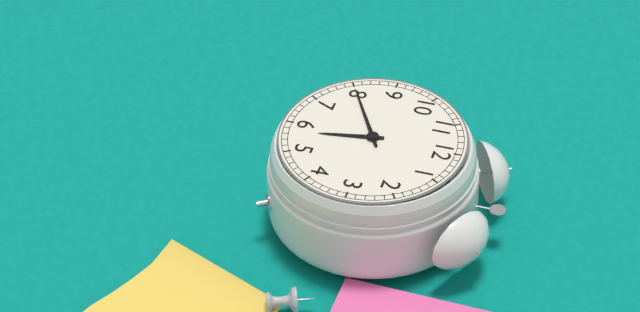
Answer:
**5:40**
